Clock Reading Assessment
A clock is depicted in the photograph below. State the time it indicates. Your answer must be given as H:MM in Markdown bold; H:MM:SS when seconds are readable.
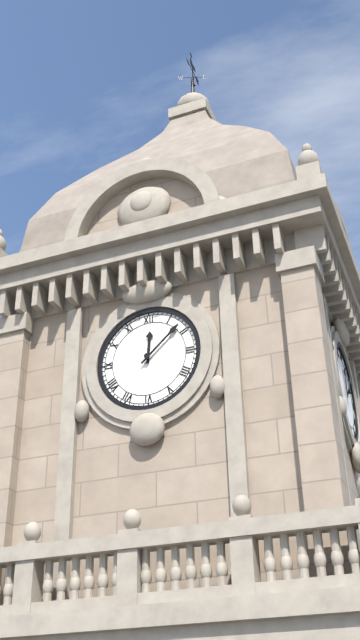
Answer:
**12:08**
